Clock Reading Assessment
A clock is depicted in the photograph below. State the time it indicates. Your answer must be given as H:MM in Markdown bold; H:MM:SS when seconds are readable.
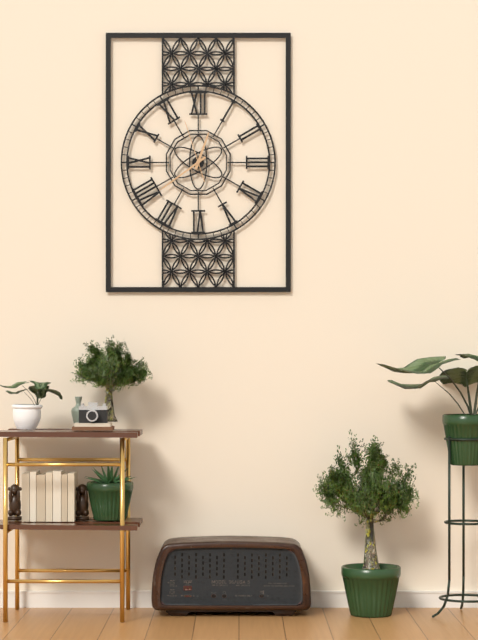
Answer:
**12:39:57**
